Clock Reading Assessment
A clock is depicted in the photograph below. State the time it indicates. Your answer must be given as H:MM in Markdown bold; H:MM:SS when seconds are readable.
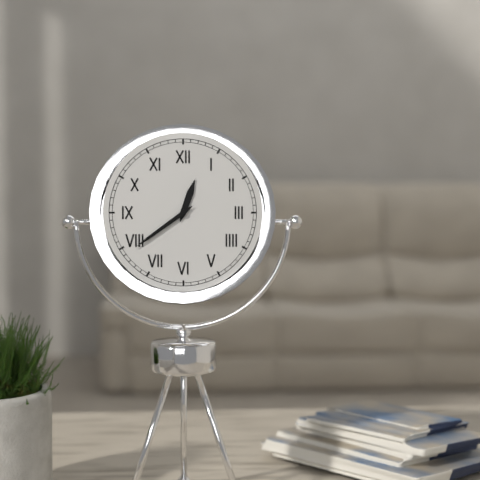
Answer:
**12:39**
